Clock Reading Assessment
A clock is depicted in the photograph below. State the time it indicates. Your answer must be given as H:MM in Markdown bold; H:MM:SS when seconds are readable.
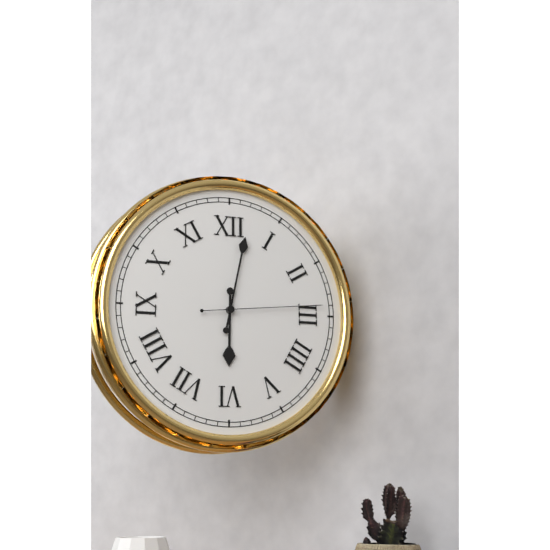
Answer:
**6:02:14**
